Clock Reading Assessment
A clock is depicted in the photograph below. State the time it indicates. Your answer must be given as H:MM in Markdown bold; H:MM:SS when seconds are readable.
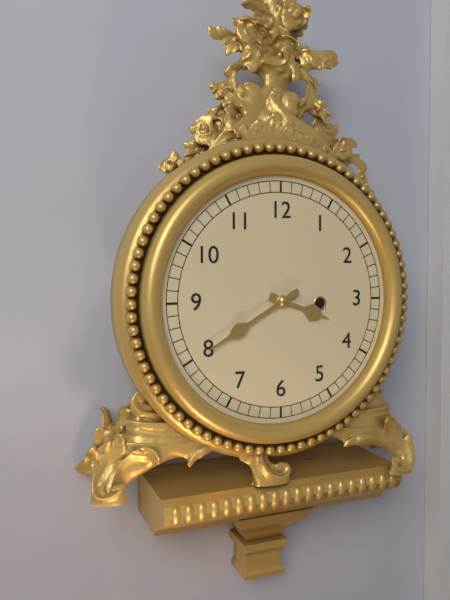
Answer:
**3:40**
